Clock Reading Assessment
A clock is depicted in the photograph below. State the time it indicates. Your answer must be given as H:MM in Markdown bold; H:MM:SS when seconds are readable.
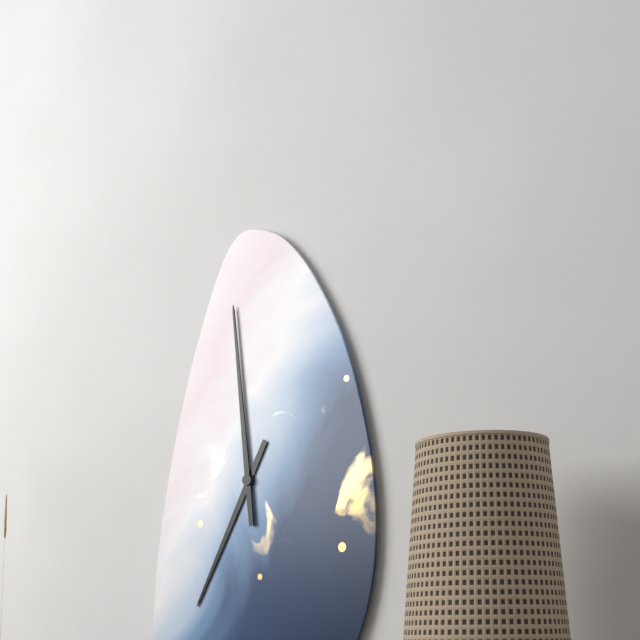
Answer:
**6:59**
